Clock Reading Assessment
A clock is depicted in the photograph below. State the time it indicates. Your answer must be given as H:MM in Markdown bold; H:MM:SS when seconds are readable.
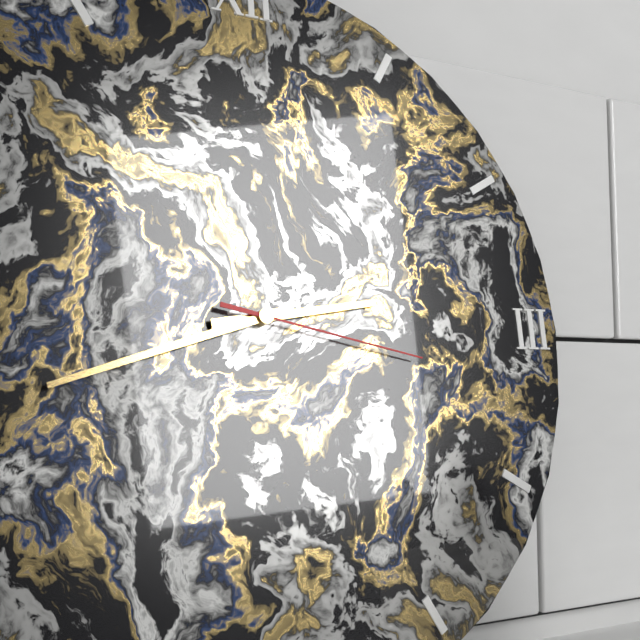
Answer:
**2:42:17**
